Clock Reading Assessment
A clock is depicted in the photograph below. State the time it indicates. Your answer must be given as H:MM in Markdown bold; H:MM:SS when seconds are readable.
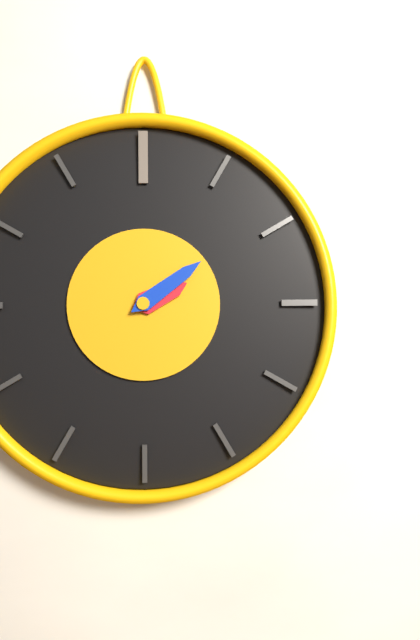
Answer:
**2:09**
